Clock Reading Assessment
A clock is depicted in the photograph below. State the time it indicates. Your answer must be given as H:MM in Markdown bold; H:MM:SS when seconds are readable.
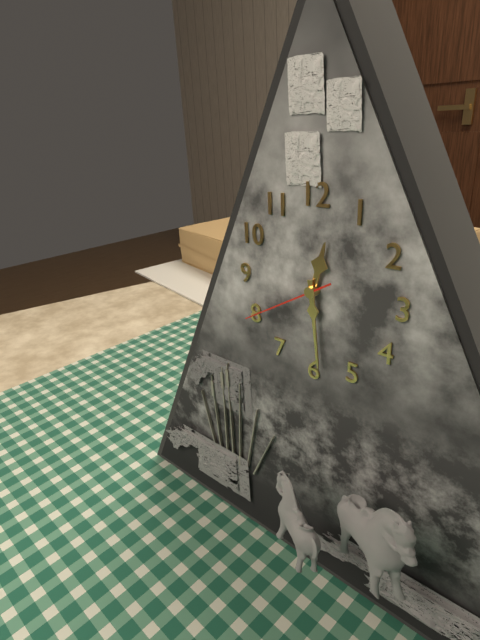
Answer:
**12:29:40**
